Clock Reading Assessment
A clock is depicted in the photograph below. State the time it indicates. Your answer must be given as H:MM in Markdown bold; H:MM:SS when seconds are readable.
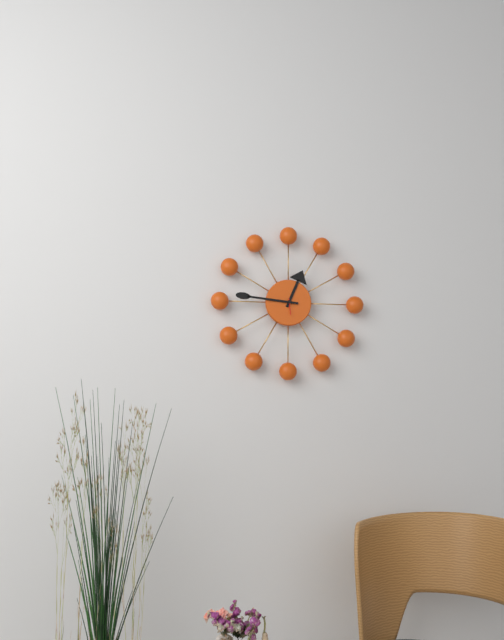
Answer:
**12:46**
